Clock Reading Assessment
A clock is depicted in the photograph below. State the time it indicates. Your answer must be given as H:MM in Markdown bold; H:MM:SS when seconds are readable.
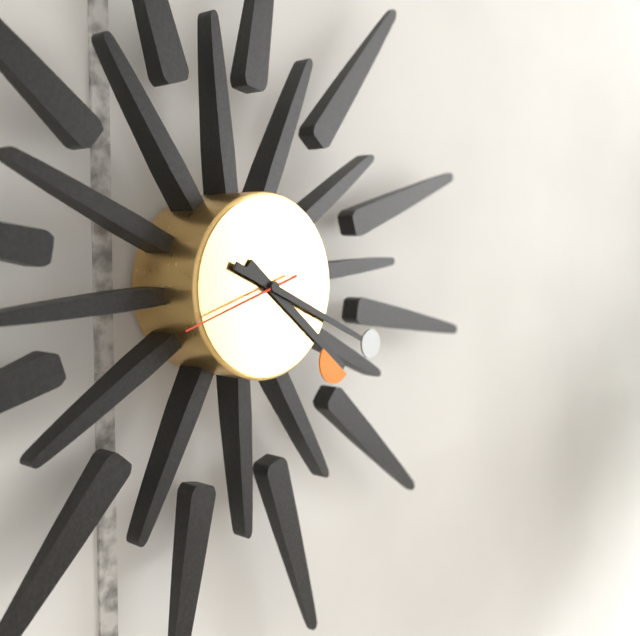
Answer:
**4:19:42**
